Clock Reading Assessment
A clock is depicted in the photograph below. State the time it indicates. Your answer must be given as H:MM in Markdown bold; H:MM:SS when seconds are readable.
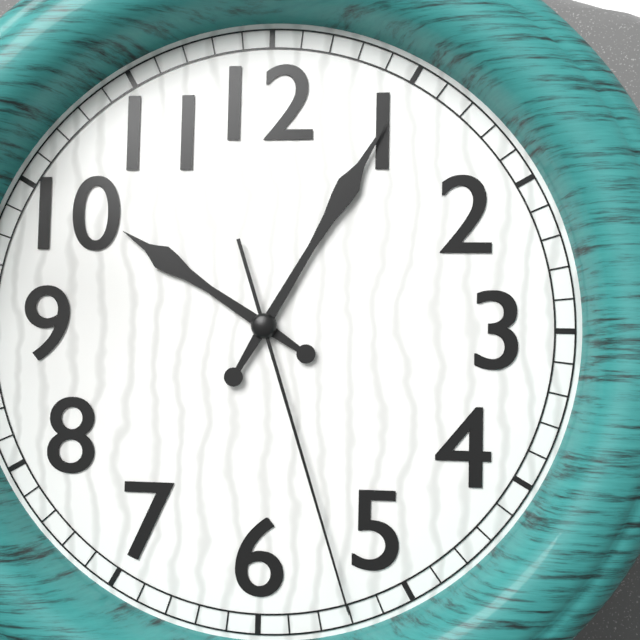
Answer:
**10:05:27**
